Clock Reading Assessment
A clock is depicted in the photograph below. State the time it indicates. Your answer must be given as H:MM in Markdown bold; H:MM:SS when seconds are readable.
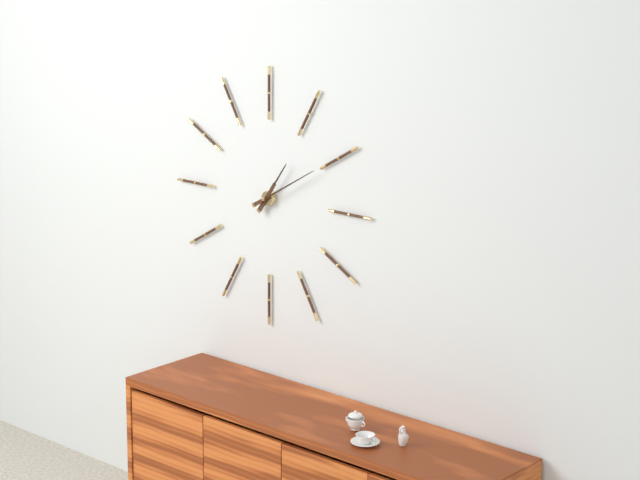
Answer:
**1:10**
